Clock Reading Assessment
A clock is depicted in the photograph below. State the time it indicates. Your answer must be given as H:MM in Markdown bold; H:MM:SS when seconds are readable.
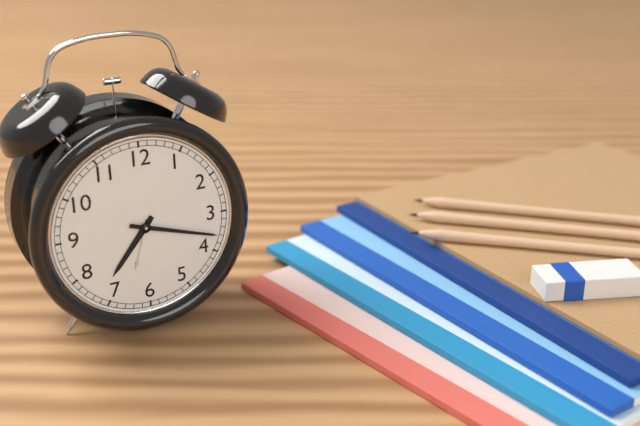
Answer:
**7:18**
